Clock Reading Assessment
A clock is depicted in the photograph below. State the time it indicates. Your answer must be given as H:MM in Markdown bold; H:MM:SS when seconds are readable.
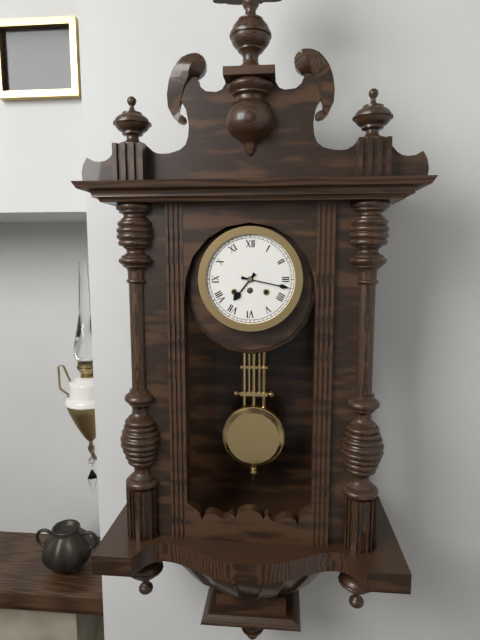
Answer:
**7:17**
